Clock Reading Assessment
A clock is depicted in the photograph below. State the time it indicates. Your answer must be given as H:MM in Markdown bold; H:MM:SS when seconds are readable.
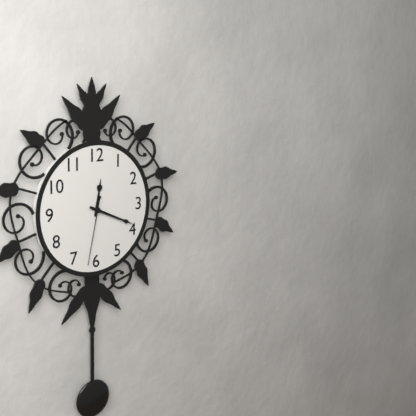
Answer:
**12:19:32**
